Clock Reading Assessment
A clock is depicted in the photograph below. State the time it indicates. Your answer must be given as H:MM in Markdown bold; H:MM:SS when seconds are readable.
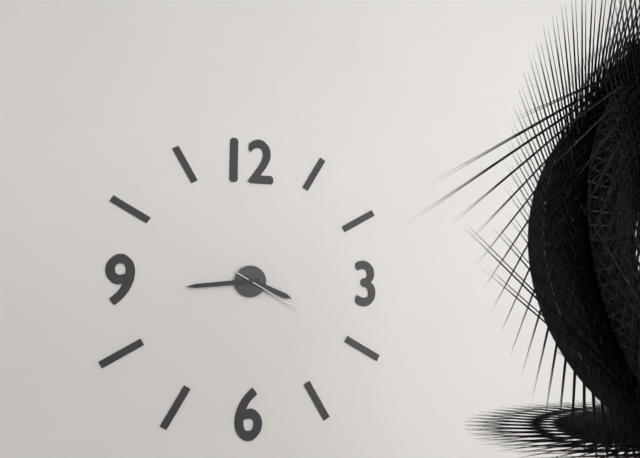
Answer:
**3:44:20**
